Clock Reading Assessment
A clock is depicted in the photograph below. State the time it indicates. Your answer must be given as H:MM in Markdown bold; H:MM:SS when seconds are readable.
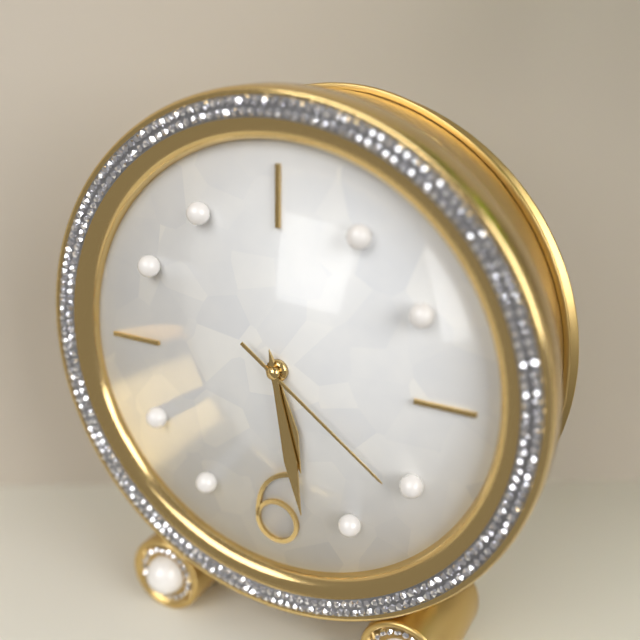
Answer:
**5:28:21**
